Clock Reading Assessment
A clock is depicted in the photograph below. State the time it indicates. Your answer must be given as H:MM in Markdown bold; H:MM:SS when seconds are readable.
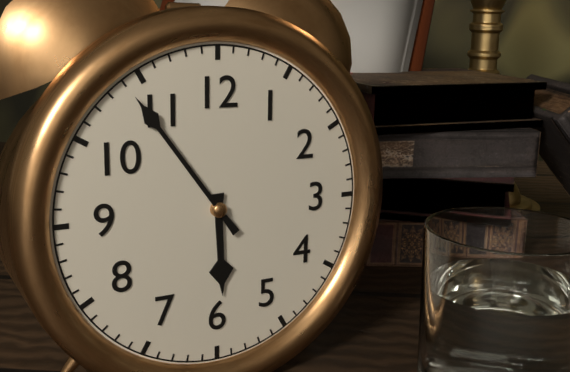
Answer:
**5:54**
